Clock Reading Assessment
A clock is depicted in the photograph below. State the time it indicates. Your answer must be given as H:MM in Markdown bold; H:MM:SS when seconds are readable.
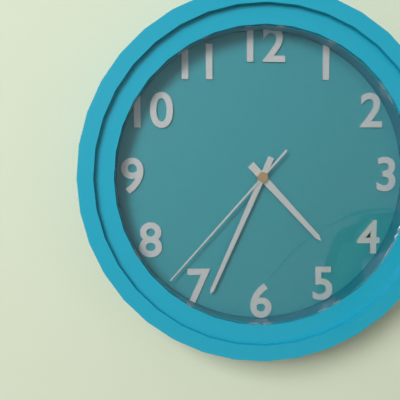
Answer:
**4:34:37**
